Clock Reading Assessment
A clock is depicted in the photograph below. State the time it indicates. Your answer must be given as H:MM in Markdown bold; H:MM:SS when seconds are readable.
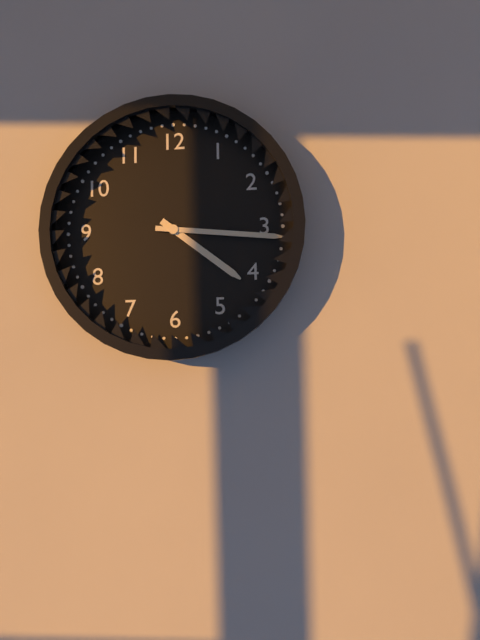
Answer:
**4:16**
